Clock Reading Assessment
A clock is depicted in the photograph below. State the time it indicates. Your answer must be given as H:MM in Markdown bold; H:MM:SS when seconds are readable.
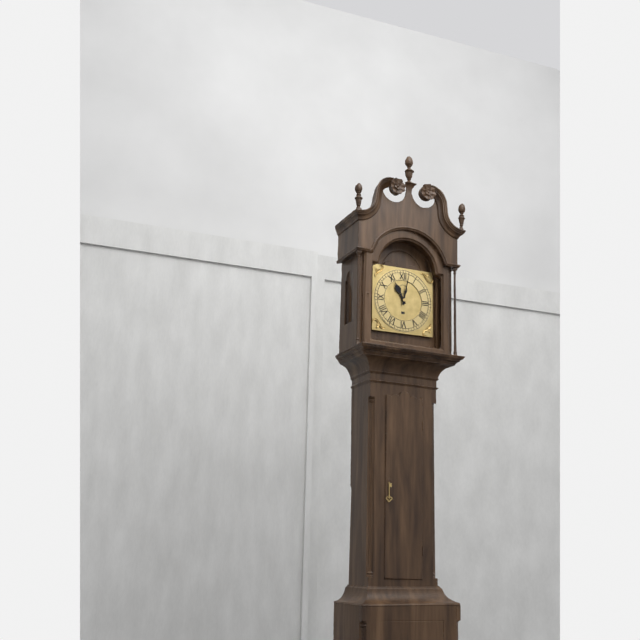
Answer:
**11:02**
